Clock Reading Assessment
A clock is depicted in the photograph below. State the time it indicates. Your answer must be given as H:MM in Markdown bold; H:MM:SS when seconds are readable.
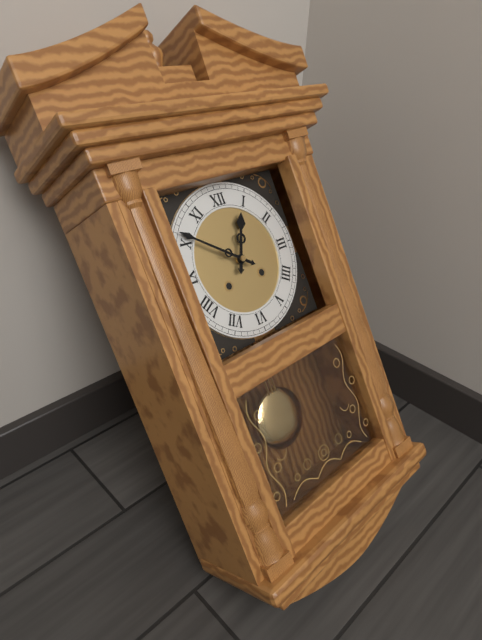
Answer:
**12:51**
